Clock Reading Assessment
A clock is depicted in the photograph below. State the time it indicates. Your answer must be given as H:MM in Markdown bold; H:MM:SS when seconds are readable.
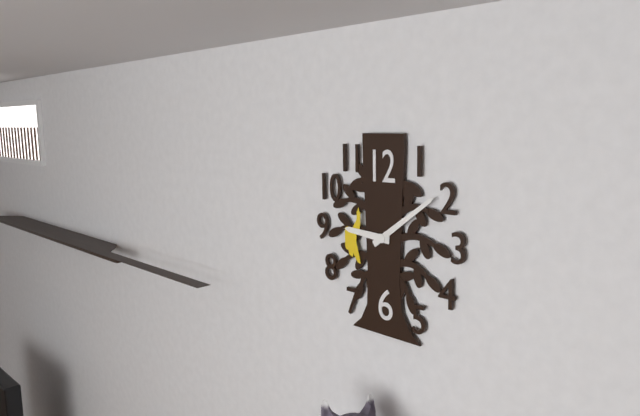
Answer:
**9:09**
